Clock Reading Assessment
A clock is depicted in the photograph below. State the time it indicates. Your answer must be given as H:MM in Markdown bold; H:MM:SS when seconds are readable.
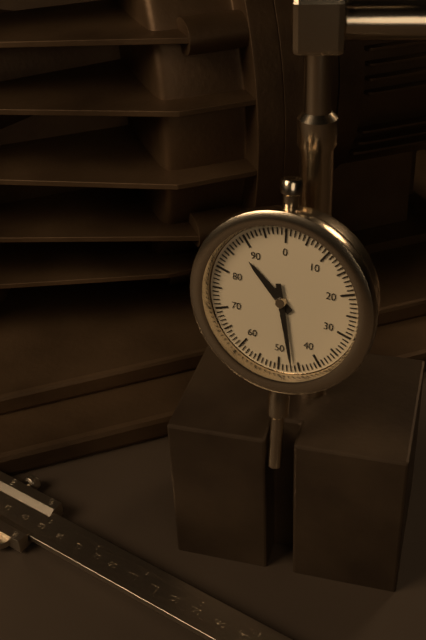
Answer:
**10:28**
